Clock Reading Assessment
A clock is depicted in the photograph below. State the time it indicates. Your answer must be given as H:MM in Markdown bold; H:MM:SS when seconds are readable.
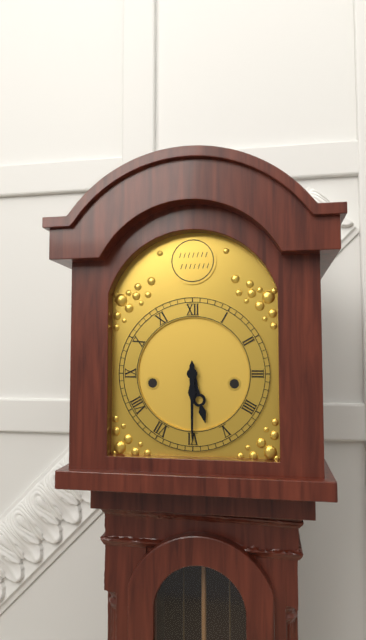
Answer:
**5:30**
